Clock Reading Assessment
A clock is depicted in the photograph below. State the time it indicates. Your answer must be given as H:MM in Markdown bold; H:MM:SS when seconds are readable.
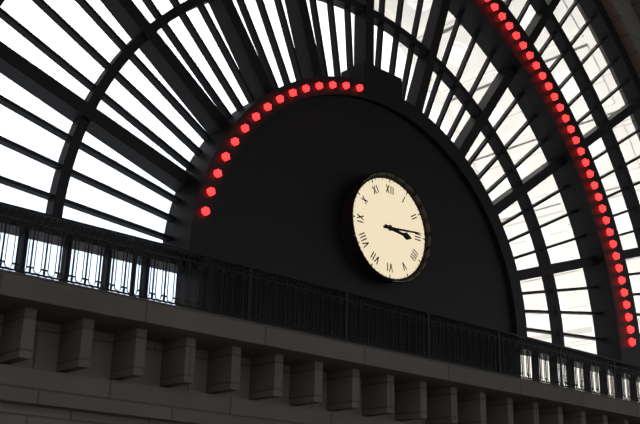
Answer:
**3:14**
